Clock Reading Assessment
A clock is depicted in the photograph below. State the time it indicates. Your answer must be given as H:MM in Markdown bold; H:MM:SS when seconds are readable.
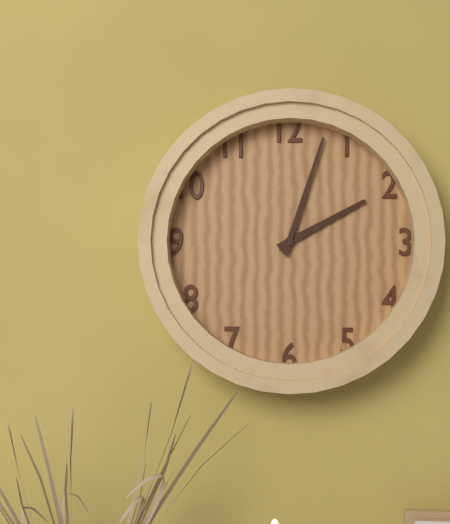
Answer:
**2:03**
